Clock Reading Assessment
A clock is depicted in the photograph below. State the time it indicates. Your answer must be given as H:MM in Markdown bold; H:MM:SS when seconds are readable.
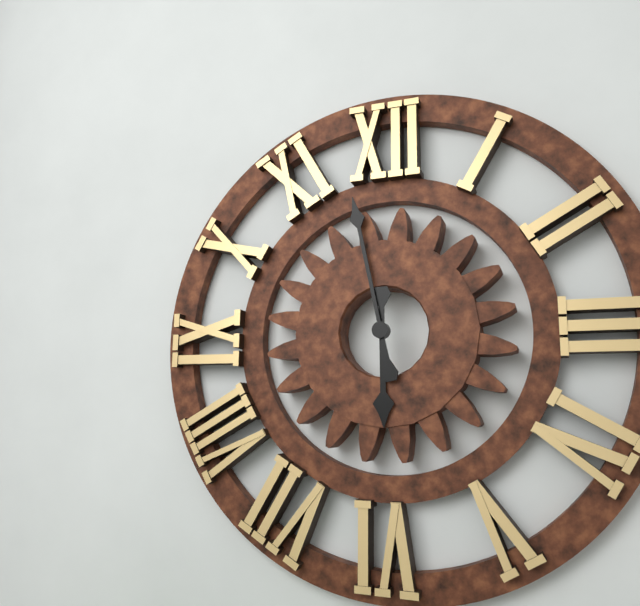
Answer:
**5:58**
